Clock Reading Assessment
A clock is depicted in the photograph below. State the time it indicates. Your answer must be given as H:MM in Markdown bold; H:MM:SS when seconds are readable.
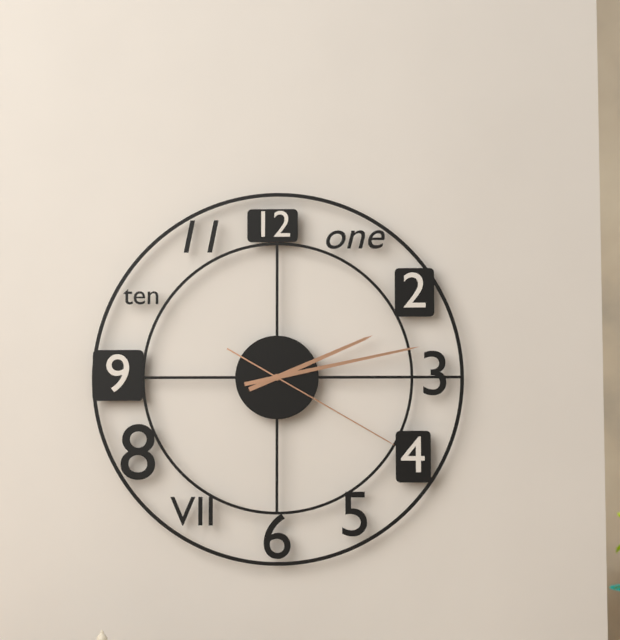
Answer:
**2:13:20**
